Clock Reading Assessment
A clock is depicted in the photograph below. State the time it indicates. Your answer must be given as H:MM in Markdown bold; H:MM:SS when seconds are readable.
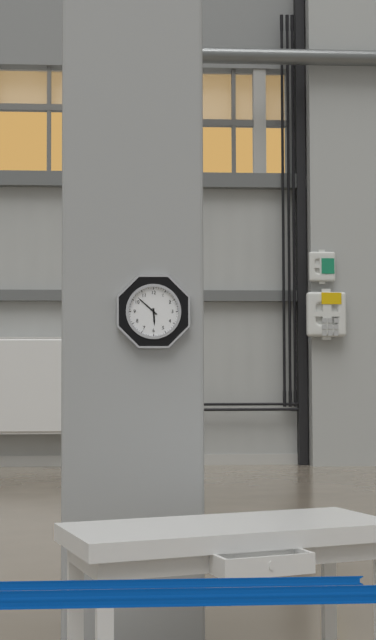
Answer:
**5:52**
